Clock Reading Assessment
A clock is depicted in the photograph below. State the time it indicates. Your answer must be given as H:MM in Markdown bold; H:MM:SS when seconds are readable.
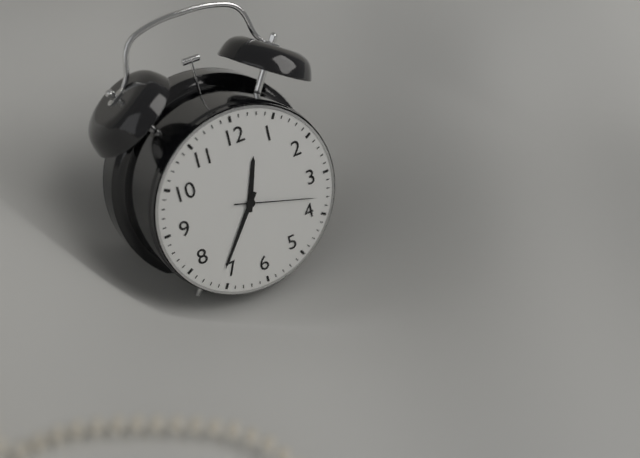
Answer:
**12:36:18**
